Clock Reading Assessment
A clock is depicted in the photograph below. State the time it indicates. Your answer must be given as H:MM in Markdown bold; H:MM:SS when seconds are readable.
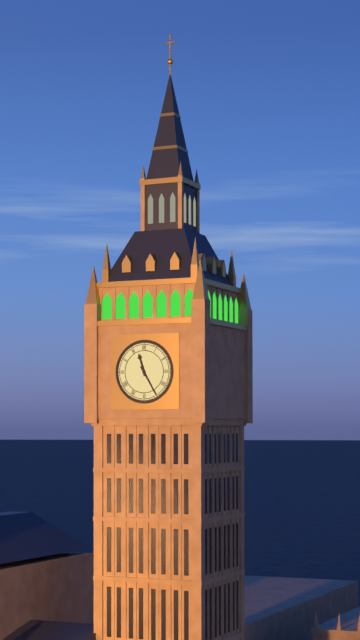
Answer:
**11:25**
